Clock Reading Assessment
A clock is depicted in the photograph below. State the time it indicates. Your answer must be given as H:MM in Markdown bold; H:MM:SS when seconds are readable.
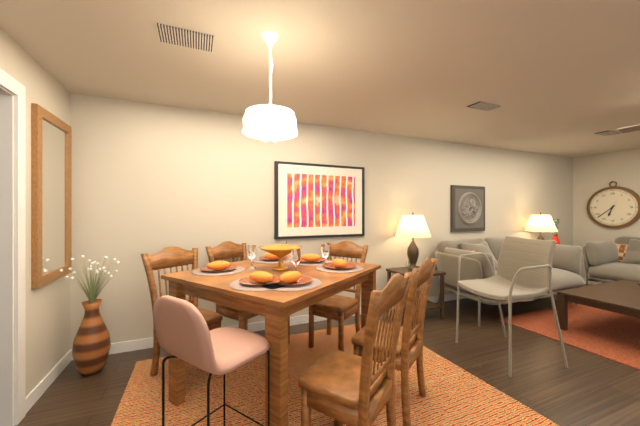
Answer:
**6:38**
